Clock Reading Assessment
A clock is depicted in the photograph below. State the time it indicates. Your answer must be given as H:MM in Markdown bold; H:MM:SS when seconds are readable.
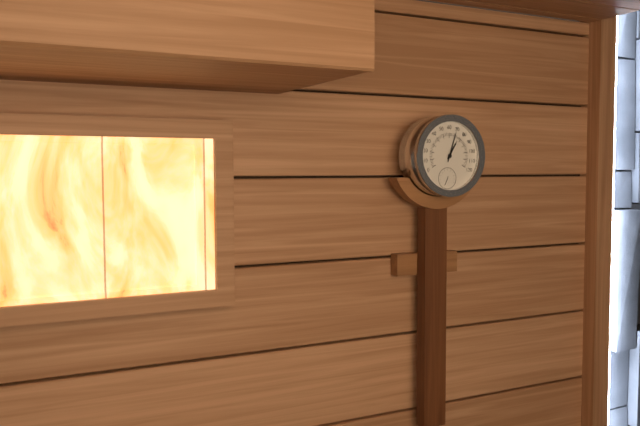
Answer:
**1:03**
